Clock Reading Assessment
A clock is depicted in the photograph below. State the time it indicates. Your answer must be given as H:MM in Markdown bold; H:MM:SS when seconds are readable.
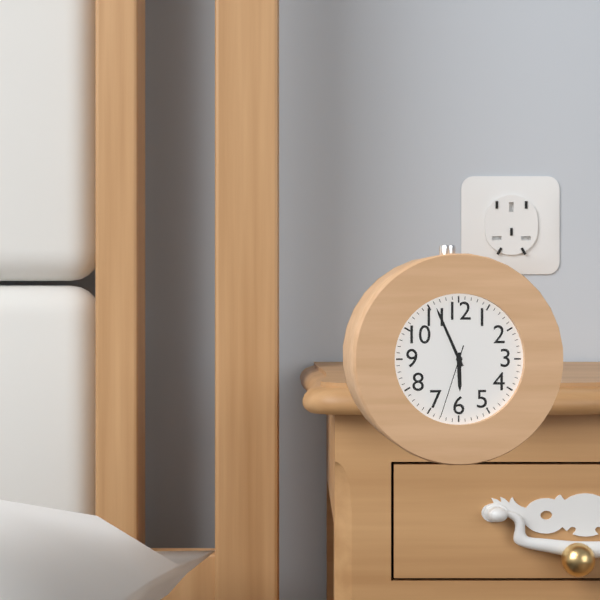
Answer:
**5:56:33**
